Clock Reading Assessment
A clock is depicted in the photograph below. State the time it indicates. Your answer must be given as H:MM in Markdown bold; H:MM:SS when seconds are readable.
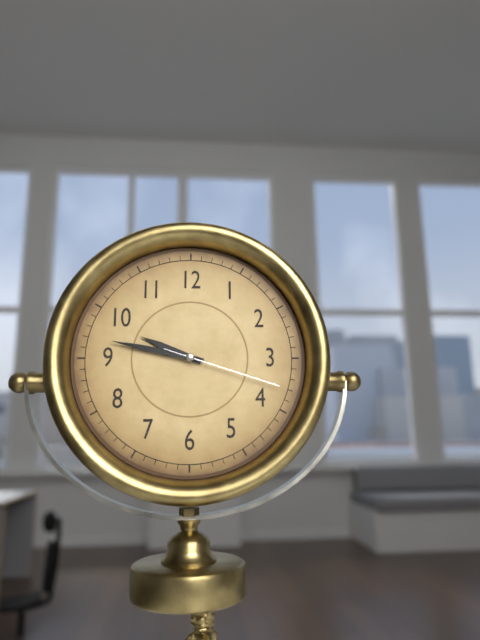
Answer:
**9:47:18**
